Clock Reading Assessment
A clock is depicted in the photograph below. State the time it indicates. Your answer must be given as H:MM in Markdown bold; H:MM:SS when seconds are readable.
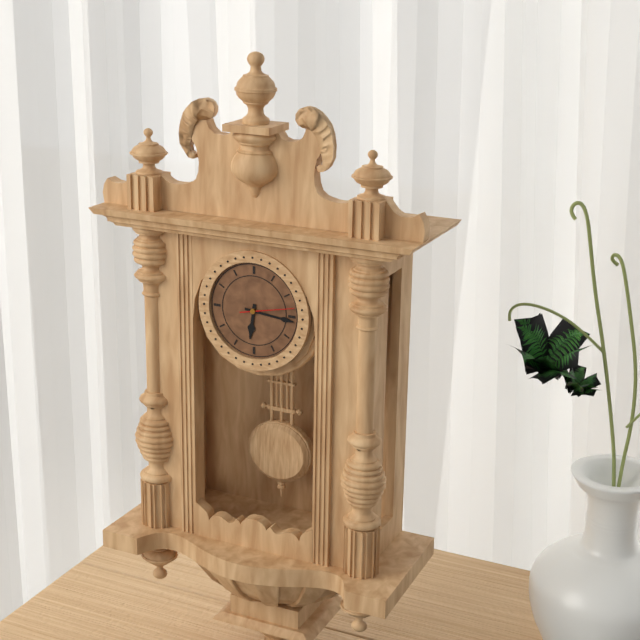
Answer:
**6:16**
